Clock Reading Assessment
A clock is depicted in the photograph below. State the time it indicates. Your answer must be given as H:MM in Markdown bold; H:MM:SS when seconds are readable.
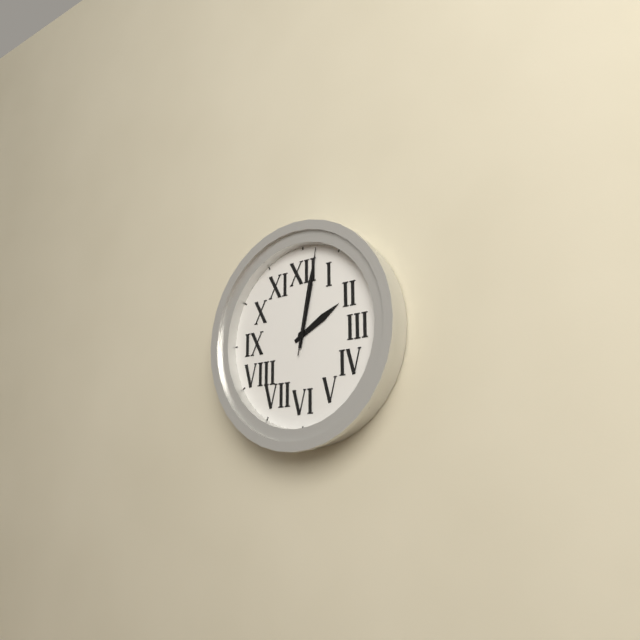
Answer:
**2:02:02**
